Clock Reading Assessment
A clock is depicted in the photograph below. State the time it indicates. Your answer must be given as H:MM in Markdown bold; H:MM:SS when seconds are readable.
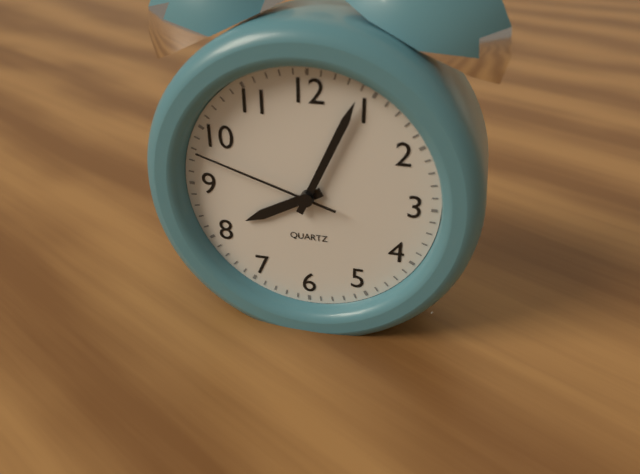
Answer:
**8:04:48**
